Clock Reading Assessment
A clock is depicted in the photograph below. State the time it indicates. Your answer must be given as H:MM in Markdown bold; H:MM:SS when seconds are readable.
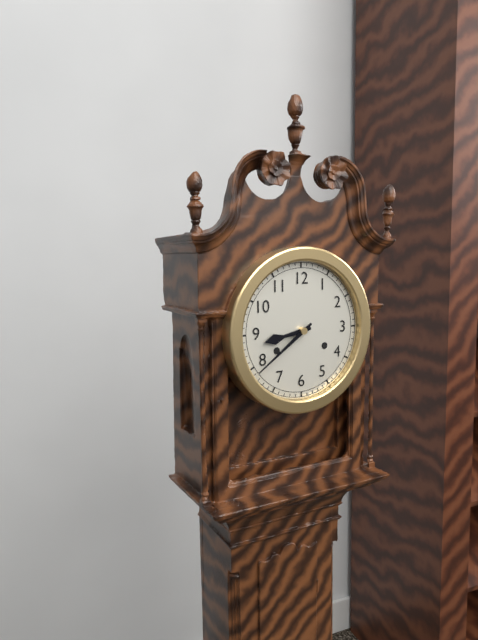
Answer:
**8:39**
